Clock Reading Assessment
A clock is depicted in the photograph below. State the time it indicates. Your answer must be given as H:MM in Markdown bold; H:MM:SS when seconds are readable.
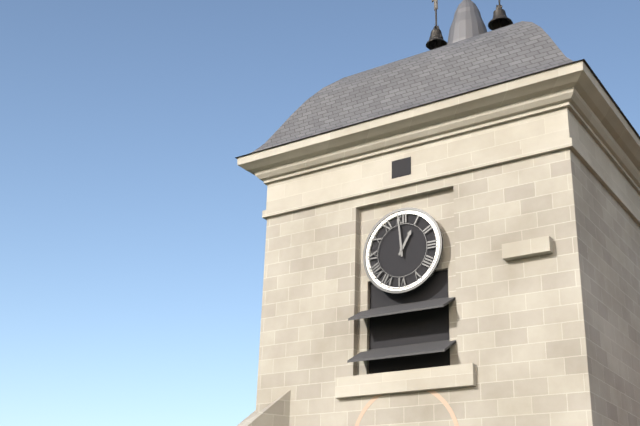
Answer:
**12:59**
